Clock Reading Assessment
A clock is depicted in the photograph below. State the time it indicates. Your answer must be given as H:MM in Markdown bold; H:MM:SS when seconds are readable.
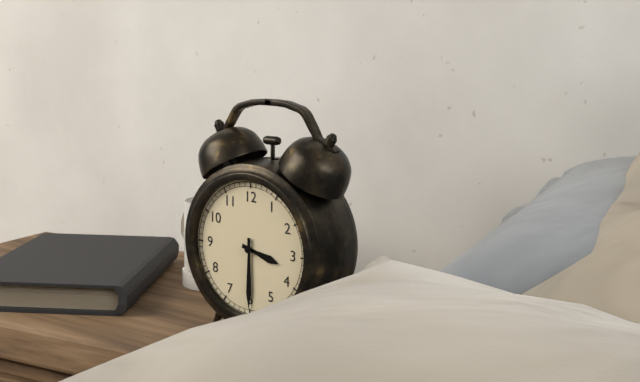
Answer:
**3:30**
